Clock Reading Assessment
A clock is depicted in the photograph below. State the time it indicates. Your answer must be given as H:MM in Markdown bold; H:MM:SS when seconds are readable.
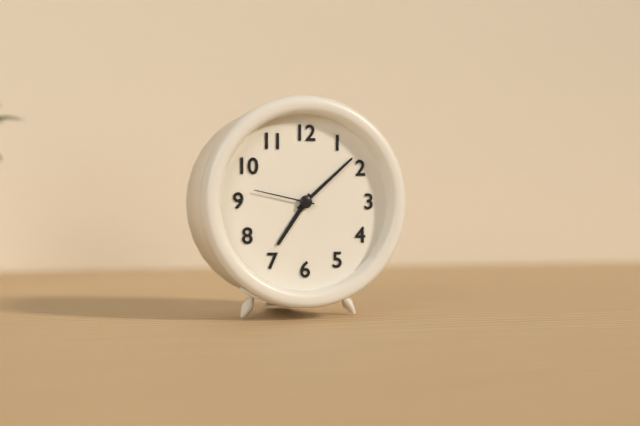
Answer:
**7:08:47**
